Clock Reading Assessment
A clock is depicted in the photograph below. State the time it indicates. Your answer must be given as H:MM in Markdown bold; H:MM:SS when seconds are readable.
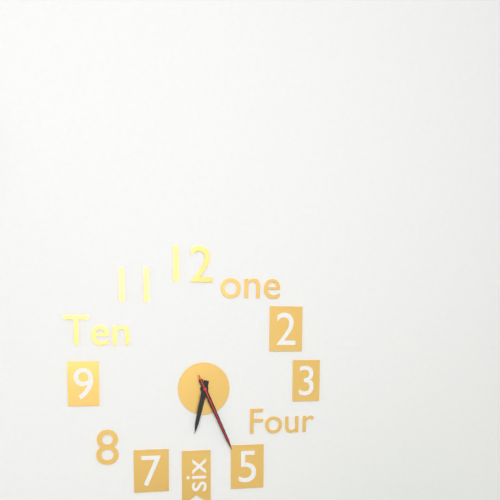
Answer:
**6:26:26**
